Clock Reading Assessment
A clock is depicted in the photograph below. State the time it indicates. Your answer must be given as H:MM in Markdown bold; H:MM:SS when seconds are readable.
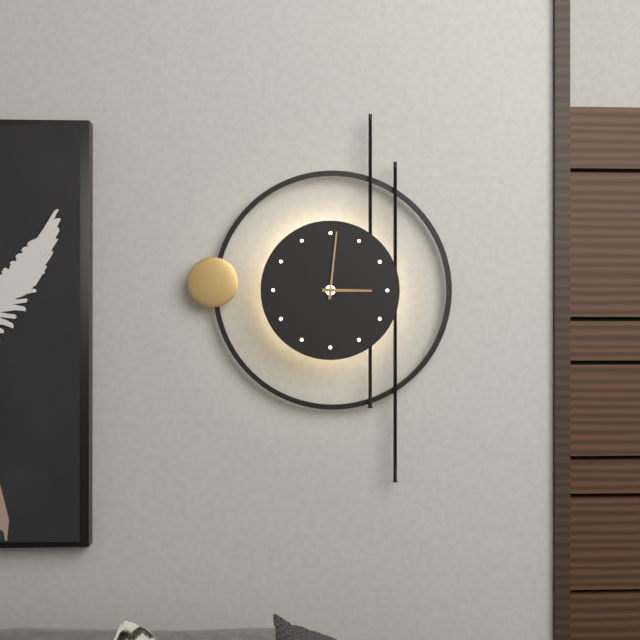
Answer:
**3:01**
